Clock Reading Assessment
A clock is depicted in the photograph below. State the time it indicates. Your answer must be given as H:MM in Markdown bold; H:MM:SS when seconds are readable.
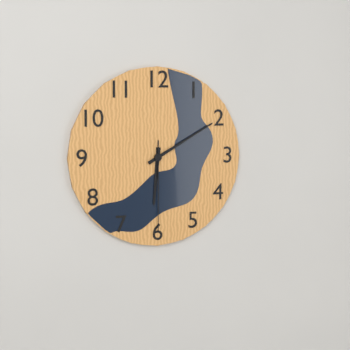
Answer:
**6:10:30**
